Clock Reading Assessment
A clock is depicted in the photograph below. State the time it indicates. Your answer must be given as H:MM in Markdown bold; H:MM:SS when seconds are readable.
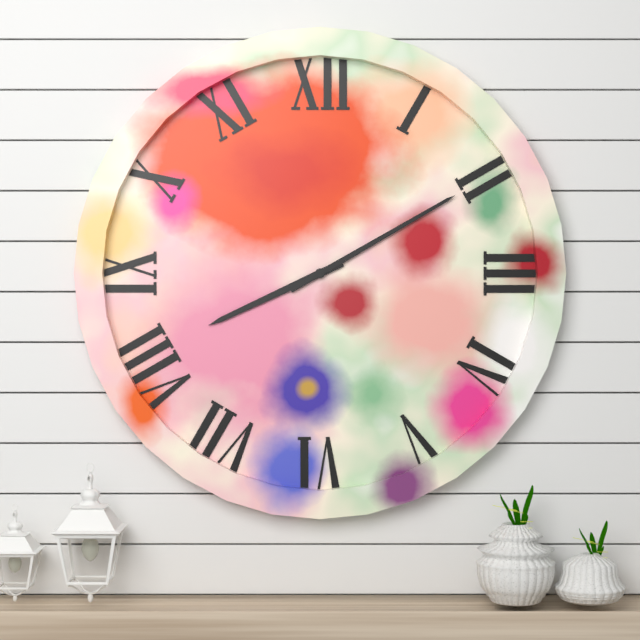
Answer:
**8:10**
